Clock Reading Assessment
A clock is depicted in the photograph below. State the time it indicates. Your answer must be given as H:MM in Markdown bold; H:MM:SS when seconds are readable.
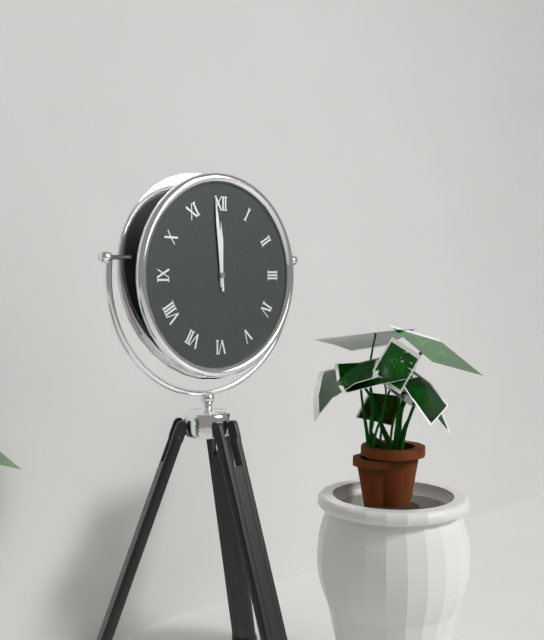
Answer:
**11:59**
